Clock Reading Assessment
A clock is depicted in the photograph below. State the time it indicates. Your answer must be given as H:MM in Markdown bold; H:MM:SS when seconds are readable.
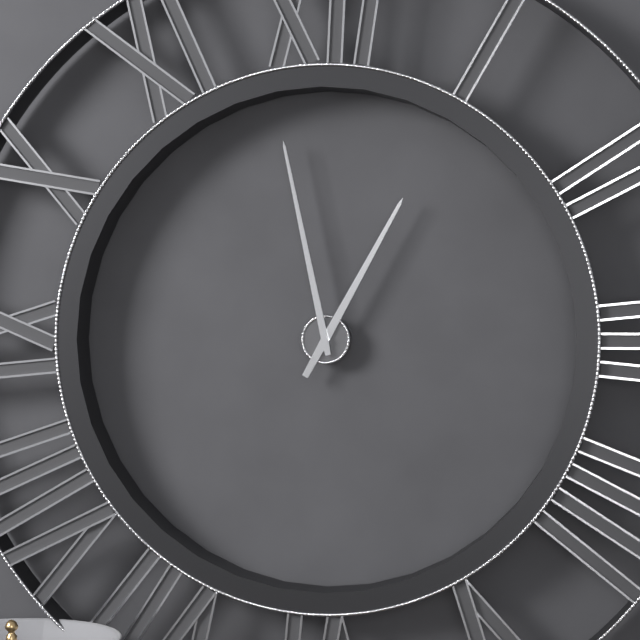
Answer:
**12:58**
